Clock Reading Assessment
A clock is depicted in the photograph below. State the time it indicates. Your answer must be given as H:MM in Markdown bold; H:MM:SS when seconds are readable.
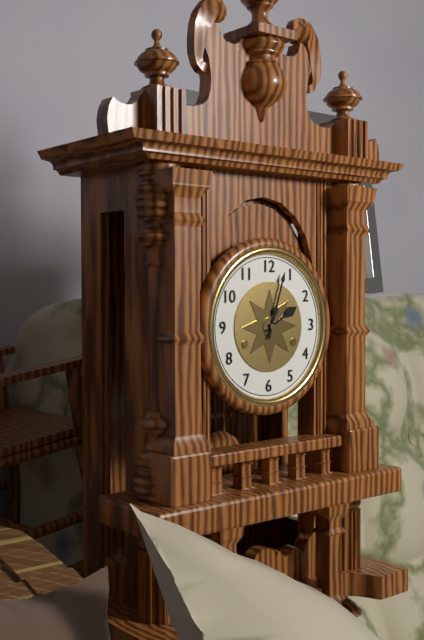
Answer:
**2:03**
